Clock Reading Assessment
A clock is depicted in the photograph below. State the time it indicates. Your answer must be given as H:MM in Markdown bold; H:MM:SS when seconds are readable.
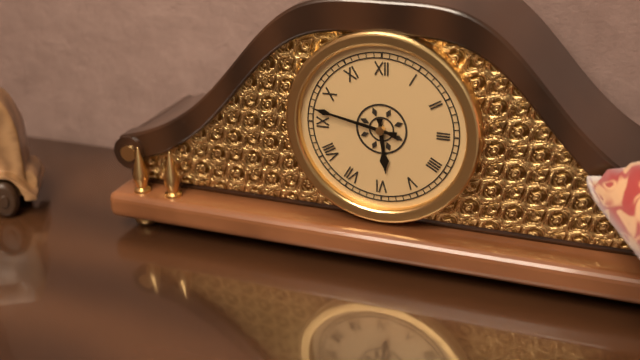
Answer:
**5:47**
